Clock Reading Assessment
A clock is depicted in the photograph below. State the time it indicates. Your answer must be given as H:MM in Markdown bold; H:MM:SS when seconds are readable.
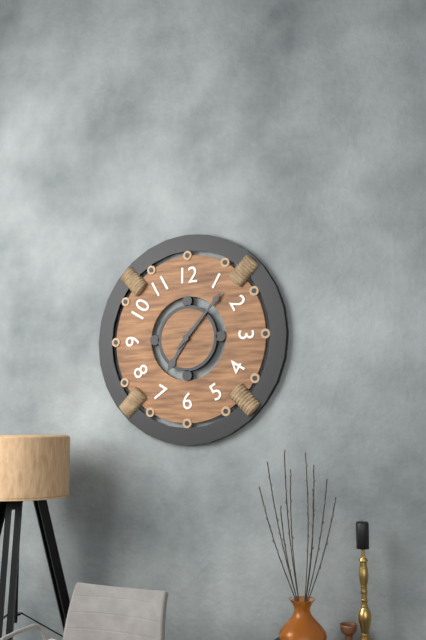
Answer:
**7:07**
